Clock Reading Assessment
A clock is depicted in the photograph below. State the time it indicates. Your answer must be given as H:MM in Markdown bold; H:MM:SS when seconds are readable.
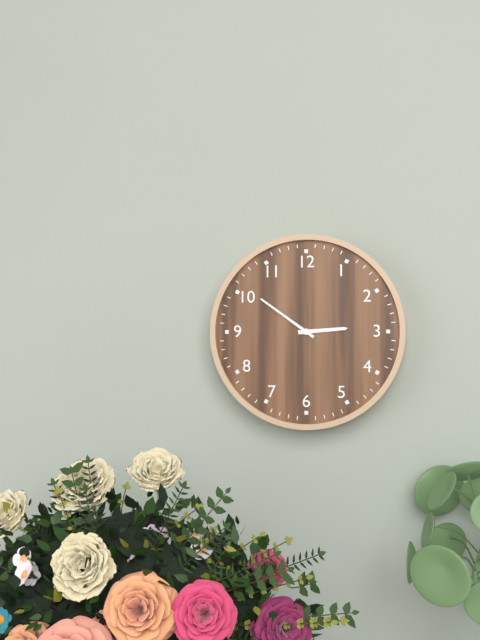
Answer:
**2:51**
